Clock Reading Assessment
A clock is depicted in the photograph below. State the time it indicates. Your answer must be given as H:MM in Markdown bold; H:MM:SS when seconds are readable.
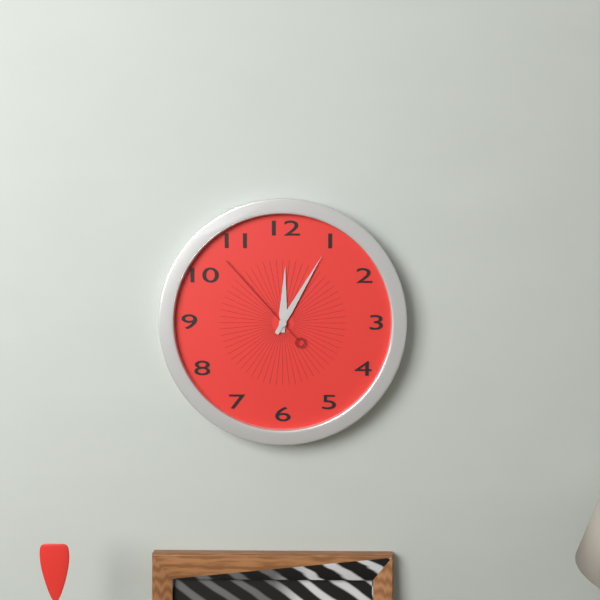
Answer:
**12:05:53**
